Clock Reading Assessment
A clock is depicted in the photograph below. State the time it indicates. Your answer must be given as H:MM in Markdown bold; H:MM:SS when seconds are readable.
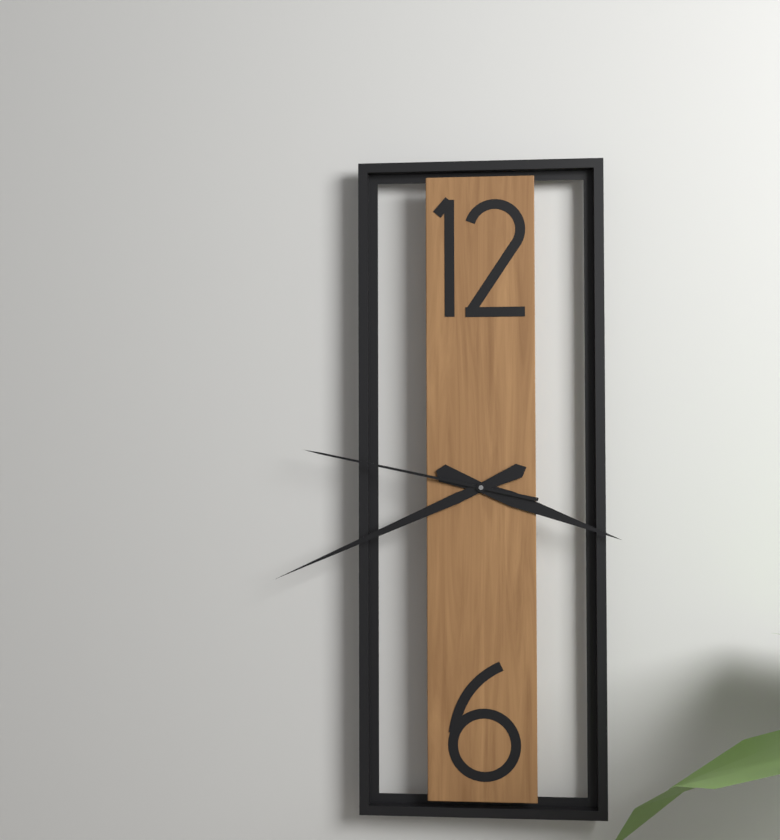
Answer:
**3:41:47**
